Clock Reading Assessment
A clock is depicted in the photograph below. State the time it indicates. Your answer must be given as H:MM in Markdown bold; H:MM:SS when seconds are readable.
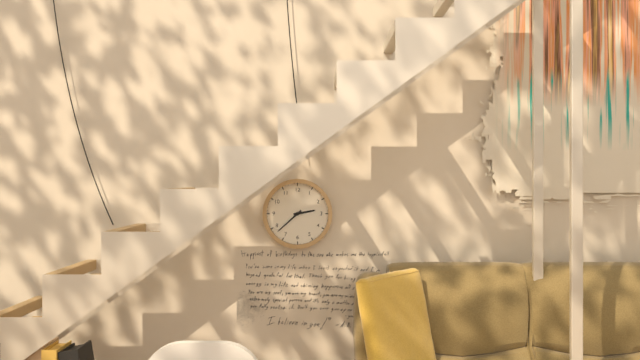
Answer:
**2:38**
